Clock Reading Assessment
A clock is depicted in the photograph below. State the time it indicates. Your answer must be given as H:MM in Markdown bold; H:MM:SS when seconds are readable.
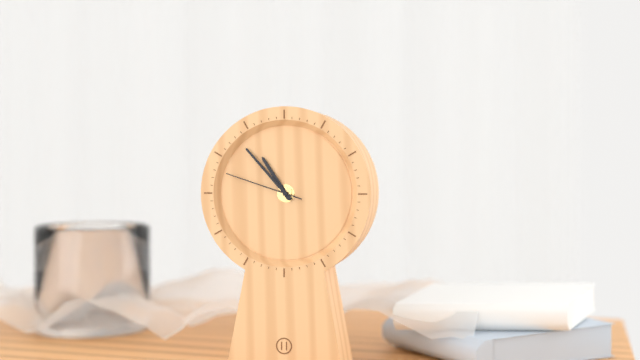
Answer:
**10:53:48**
